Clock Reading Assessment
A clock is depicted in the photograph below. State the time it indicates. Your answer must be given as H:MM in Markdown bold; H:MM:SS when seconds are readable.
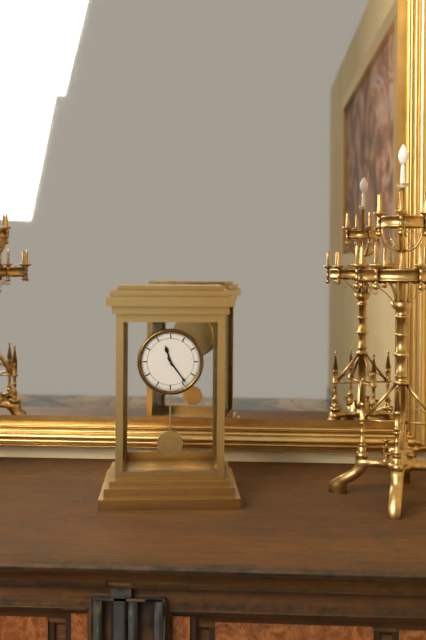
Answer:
**11:24**
